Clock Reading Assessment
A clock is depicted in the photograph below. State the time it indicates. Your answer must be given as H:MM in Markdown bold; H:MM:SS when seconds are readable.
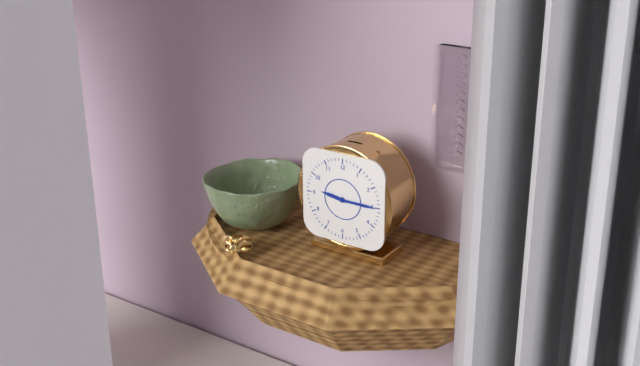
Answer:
**9:15**
